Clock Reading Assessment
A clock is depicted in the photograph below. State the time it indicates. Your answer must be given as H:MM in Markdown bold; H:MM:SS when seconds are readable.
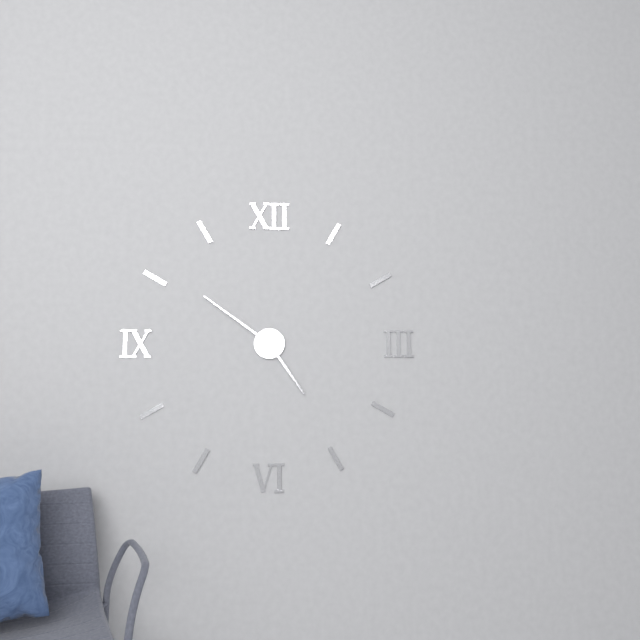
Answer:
**4:51**
